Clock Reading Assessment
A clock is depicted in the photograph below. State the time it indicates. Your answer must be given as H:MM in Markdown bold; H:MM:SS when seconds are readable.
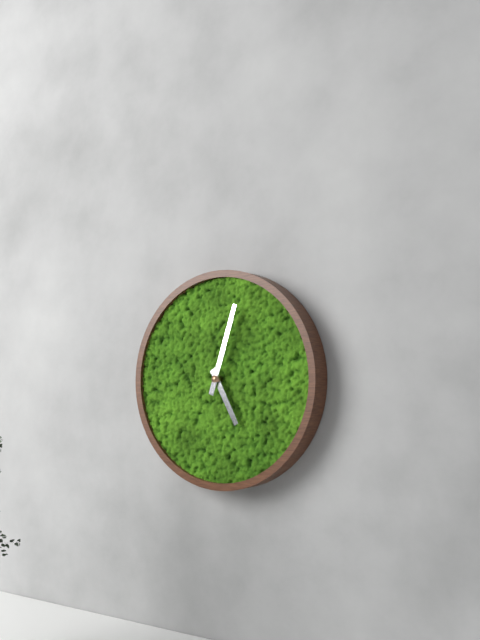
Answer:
**5:03**
